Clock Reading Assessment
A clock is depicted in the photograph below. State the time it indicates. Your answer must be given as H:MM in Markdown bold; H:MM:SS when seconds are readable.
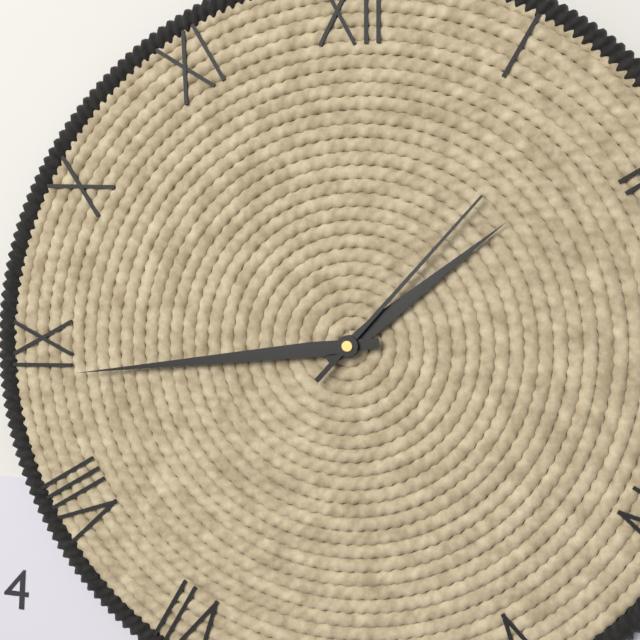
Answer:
**1:44:07**
